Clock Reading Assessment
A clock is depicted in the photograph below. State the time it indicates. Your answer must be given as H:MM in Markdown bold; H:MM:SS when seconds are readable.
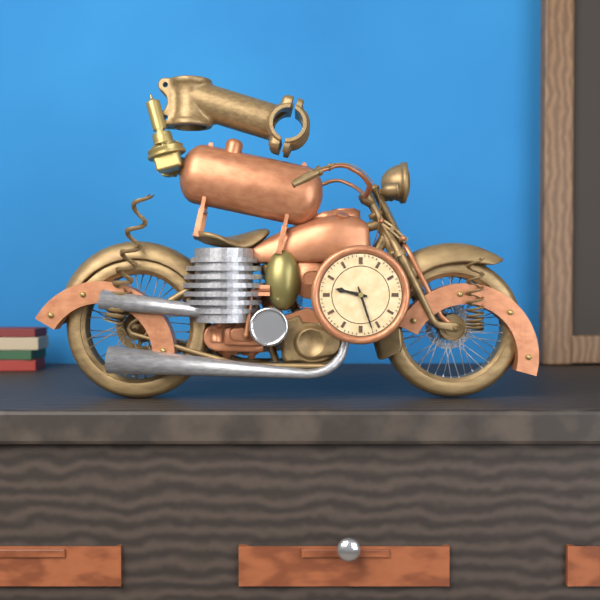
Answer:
**9:27**
